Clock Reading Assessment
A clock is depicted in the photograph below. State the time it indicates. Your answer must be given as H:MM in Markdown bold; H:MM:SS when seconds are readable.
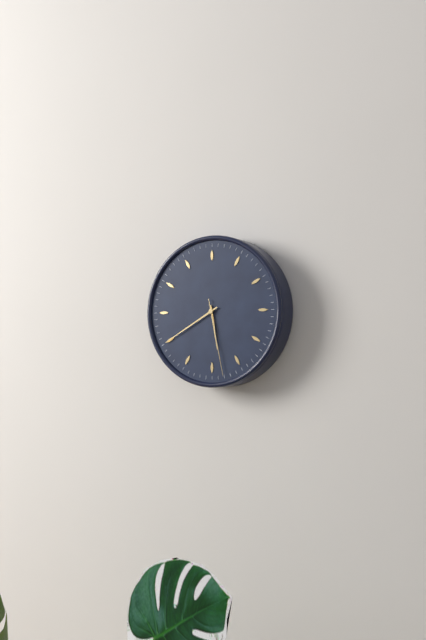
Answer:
**5:40:28**
